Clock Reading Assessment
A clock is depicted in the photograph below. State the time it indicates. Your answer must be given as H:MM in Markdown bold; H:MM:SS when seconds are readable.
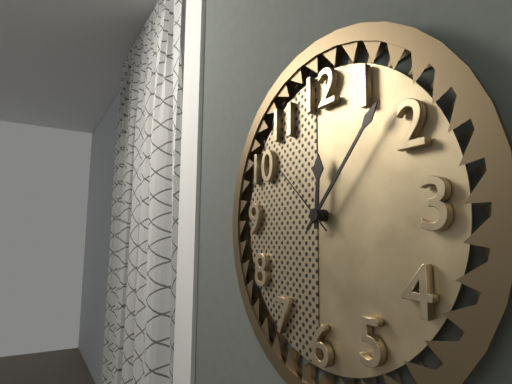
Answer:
**12:07:52**
